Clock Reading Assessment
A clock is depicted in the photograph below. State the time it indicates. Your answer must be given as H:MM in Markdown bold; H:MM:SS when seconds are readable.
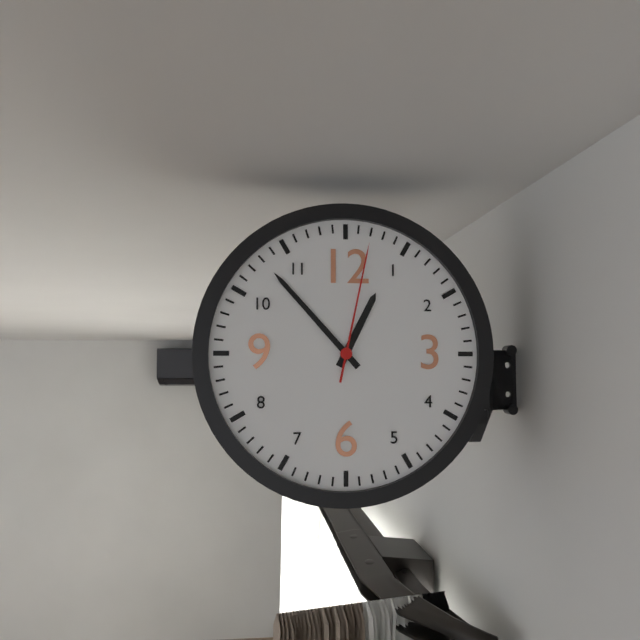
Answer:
**12:53:02**
